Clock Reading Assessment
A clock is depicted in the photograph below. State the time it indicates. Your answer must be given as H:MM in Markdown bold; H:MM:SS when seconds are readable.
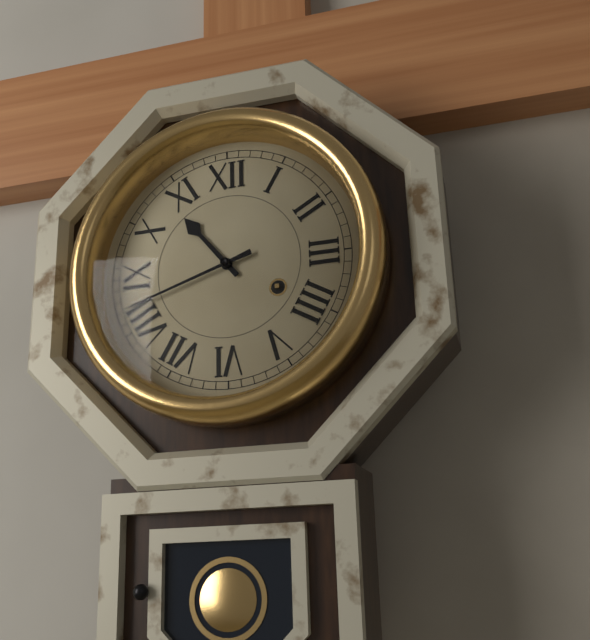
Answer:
**10:42**
